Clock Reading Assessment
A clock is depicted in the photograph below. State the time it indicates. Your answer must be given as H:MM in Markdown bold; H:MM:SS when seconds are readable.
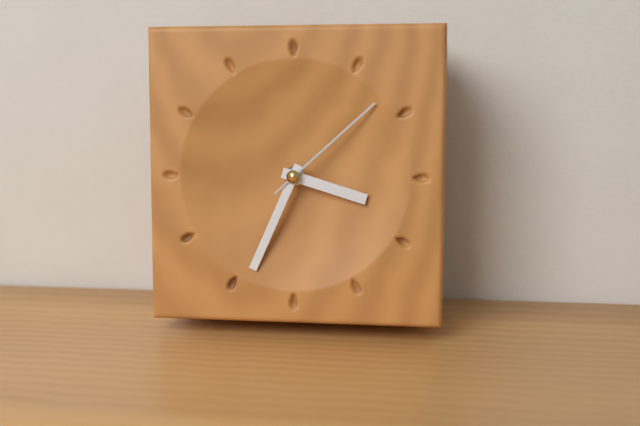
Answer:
**3:34:08**
